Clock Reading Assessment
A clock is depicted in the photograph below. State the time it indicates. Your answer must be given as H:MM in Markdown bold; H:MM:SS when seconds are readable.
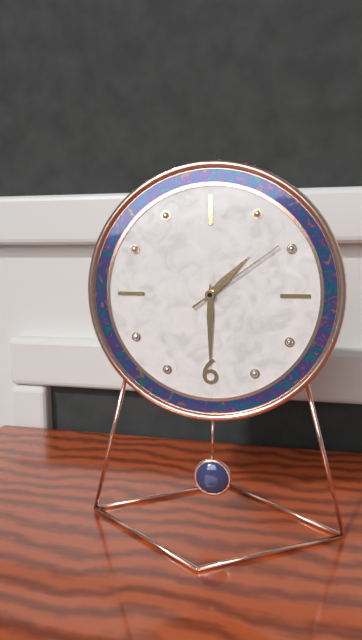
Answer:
**1:30:09**
